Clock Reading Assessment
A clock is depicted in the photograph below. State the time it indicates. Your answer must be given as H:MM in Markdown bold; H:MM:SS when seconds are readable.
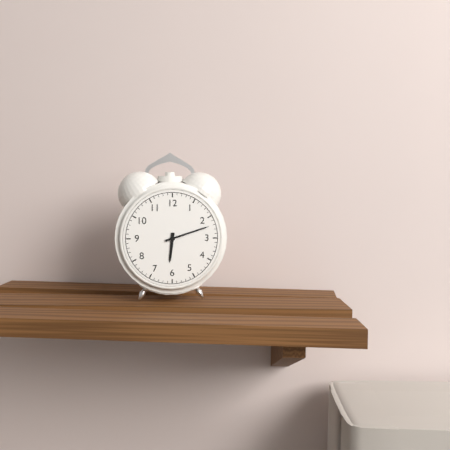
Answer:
**6:12**
